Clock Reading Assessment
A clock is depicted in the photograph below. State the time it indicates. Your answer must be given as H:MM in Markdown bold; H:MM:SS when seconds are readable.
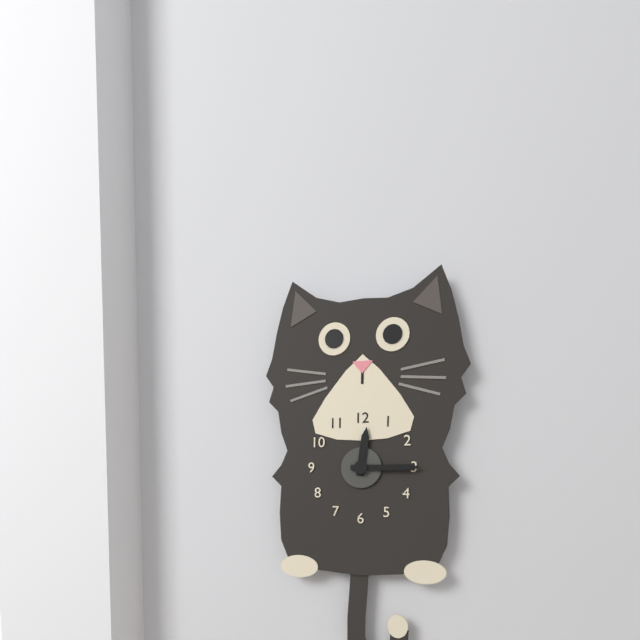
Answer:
**12:15**
